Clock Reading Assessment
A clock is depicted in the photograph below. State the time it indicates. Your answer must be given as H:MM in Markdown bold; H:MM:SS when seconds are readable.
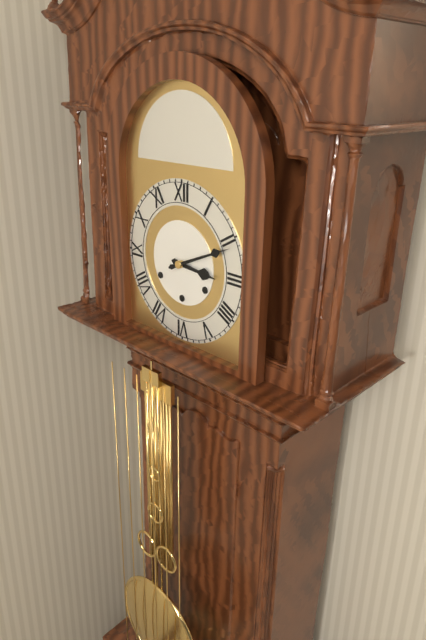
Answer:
**3:11**
